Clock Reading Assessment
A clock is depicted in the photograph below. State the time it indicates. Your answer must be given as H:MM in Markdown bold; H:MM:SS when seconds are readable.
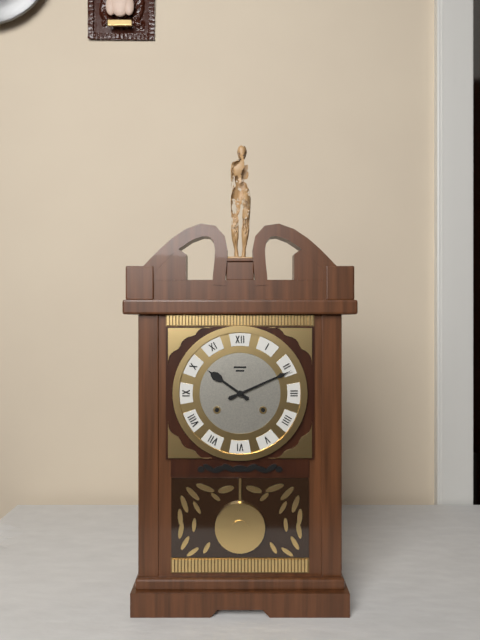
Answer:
**10:11**
